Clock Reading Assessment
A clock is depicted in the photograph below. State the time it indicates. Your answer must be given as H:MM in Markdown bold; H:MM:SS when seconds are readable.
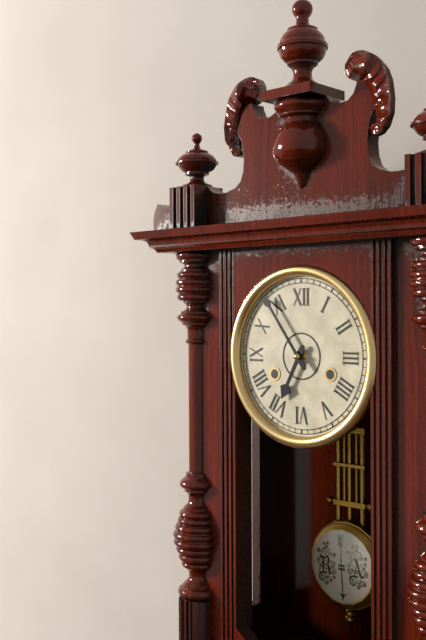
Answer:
**6:54**
